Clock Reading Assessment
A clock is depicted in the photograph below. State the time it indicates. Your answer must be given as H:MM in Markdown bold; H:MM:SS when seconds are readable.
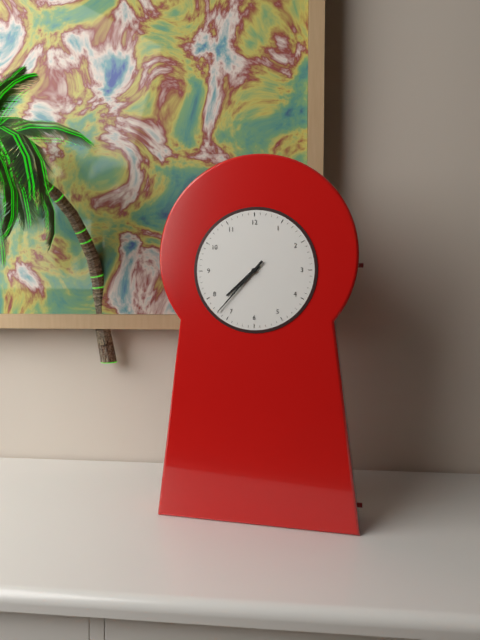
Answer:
**7:37**
